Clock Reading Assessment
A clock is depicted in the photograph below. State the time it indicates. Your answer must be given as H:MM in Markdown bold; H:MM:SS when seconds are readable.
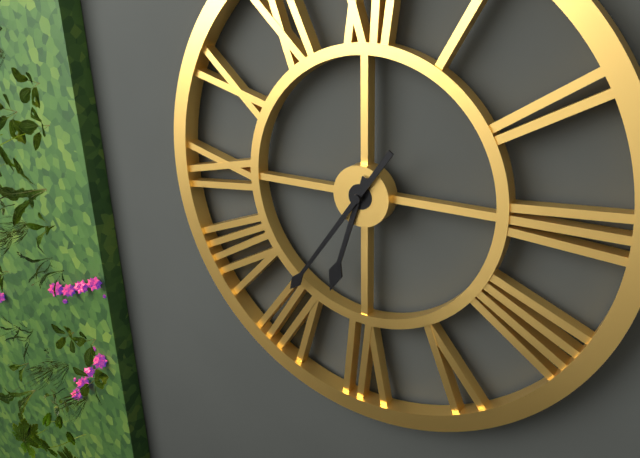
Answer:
**6:36**
